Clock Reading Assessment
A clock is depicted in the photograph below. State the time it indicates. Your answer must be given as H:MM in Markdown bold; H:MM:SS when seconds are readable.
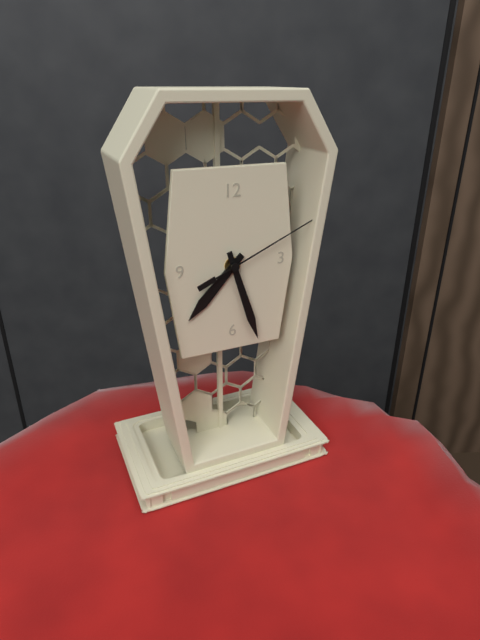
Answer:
**7:27:11**
